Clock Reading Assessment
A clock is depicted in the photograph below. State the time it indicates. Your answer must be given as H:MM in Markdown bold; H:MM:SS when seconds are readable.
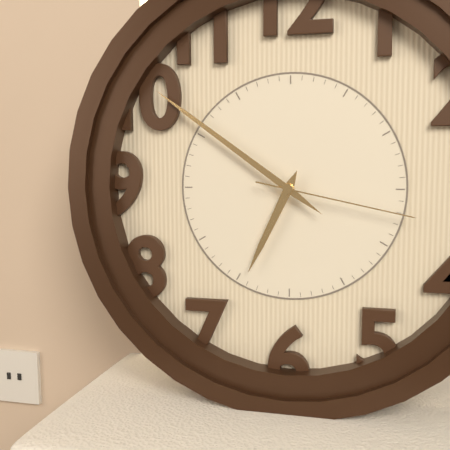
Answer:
**6:51:17**
